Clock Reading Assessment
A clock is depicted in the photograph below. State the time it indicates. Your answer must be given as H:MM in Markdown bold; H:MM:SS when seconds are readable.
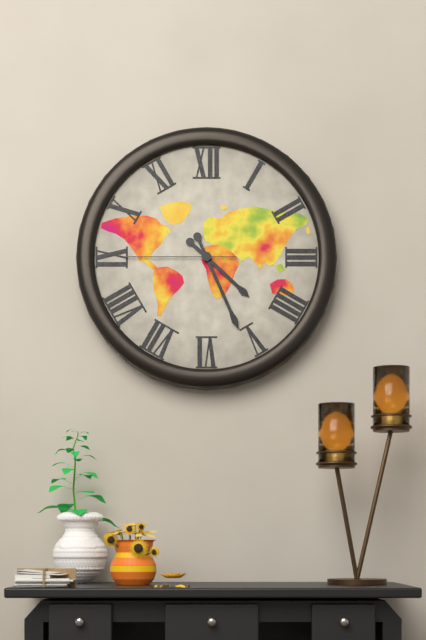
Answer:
**4:26:45**
